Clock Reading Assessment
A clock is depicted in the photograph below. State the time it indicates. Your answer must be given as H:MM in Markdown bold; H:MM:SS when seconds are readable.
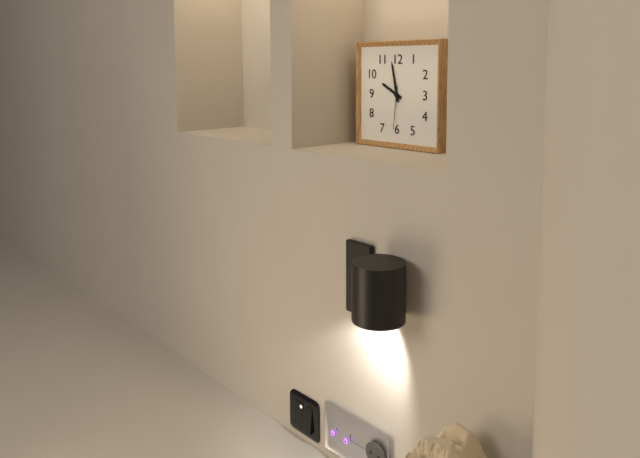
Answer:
**9:58**
